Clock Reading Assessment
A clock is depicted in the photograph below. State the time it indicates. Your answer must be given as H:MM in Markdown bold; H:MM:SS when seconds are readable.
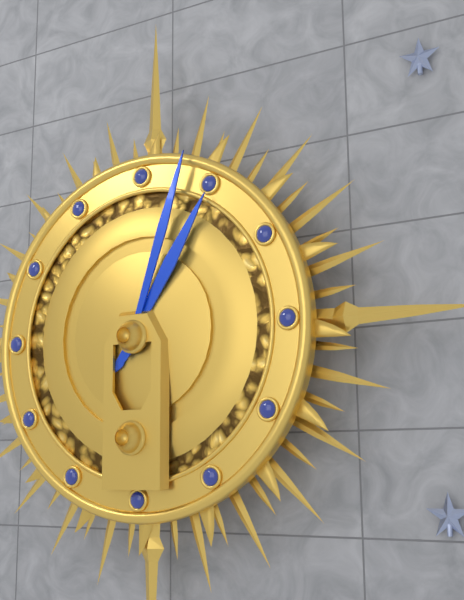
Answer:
**1:03**
